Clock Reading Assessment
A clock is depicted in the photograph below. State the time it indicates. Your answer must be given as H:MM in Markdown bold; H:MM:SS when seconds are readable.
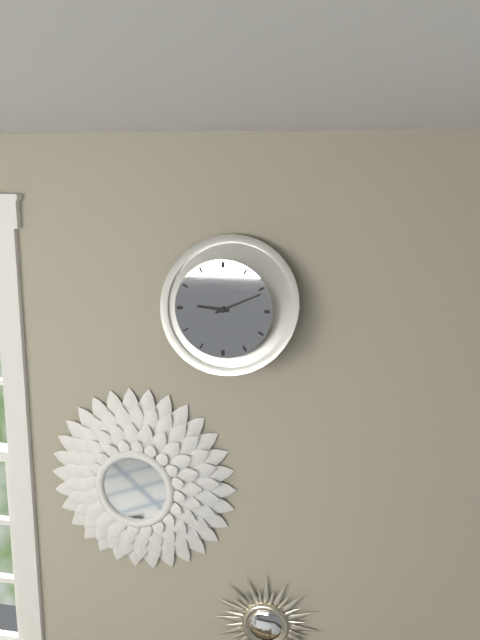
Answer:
**9:11**
